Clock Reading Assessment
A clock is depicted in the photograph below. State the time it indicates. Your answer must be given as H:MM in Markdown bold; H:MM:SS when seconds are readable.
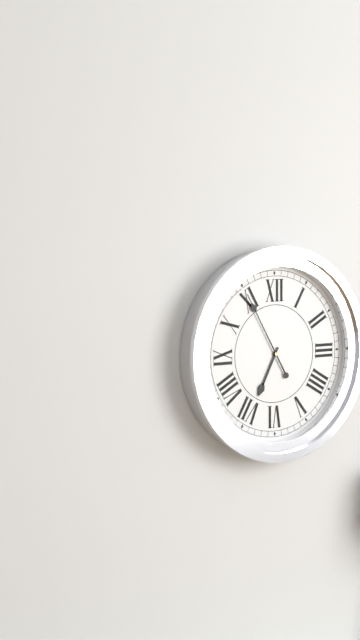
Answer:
**6:55**
